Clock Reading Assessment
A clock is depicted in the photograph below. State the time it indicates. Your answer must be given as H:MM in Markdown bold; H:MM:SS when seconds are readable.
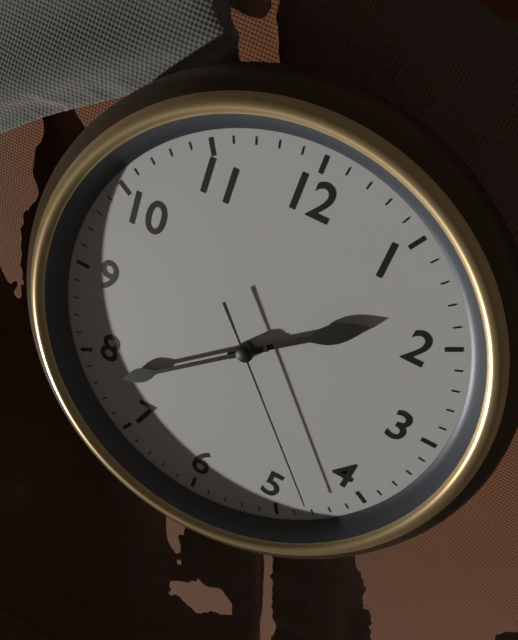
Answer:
**1:38:23**
